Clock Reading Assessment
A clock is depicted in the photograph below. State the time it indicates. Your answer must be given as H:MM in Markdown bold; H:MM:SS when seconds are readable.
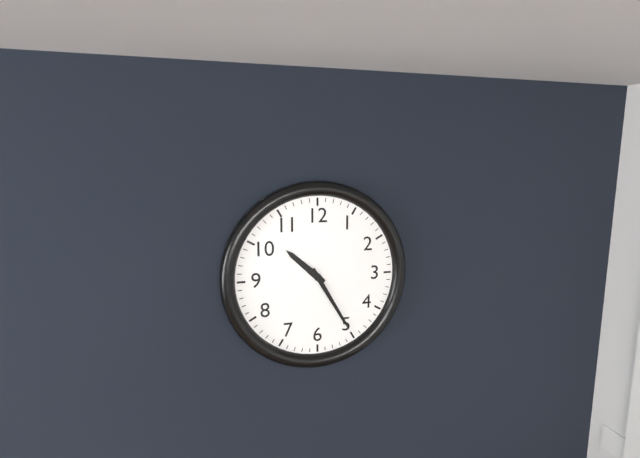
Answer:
**10:25**
